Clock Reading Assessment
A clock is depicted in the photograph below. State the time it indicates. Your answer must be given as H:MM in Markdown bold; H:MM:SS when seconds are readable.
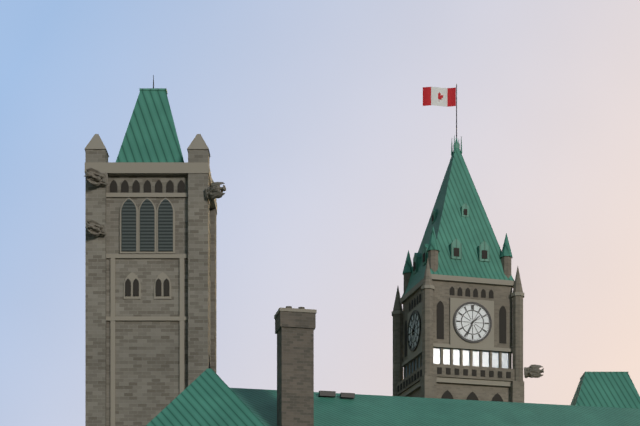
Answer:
**1:34**
